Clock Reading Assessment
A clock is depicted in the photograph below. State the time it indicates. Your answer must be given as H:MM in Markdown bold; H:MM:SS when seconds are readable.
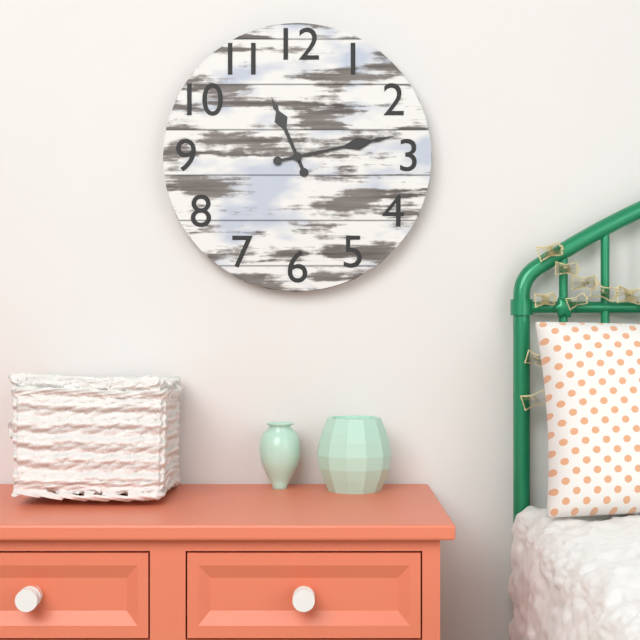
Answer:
**11:13**
